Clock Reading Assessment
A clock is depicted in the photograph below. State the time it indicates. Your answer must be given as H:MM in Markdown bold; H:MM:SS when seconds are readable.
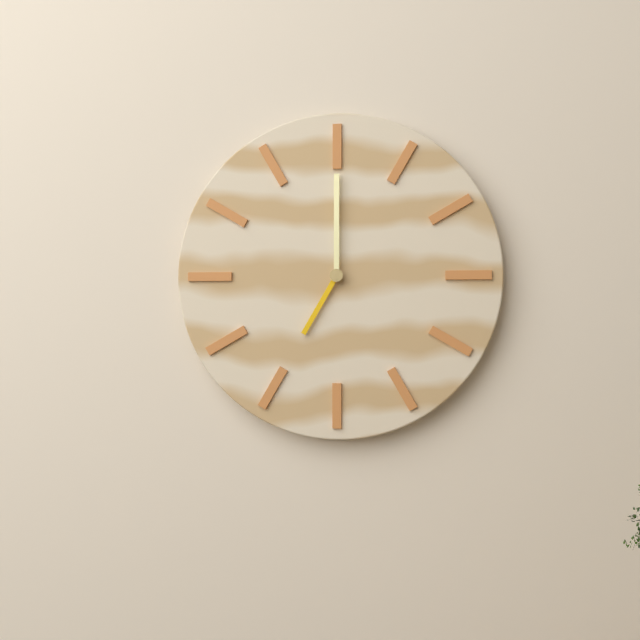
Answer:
**7:00**
